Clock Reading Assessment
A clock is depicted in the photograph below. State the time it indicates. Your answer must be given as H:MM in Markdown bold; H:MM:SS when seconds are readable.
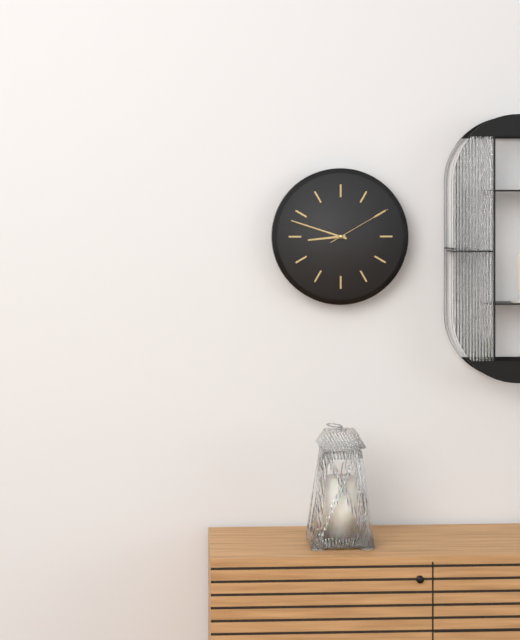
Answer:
**8:48:10**
